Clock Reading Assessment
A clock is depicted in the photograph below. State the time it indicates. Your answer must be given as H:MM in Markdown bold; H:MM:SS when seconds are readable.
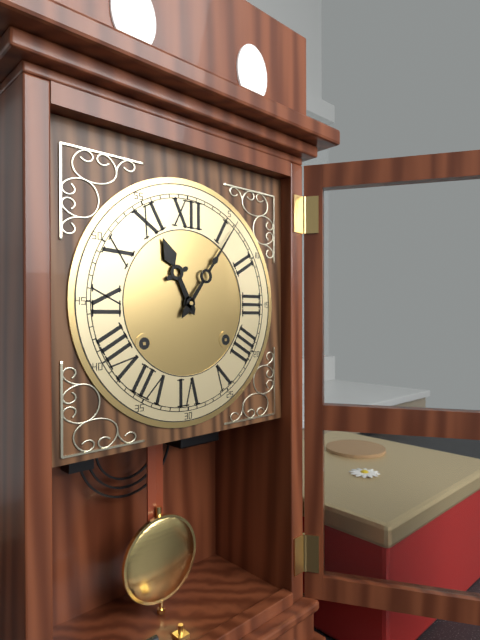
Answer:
**11:06**
